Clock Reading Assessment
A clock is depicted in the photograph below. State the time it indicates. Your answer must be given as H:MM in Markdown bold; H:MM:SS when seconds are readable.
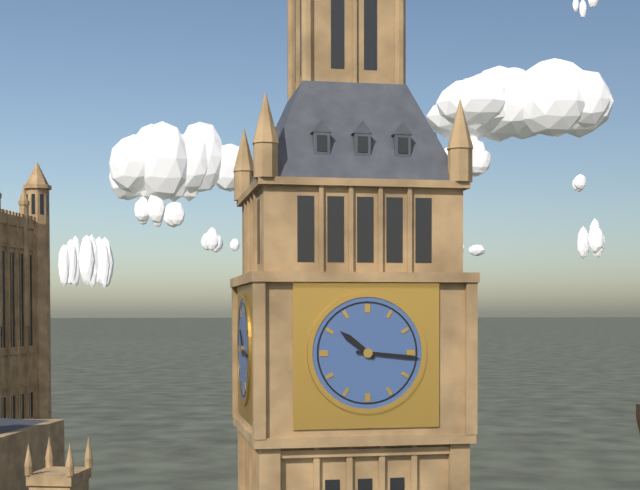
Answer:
**10:16**
